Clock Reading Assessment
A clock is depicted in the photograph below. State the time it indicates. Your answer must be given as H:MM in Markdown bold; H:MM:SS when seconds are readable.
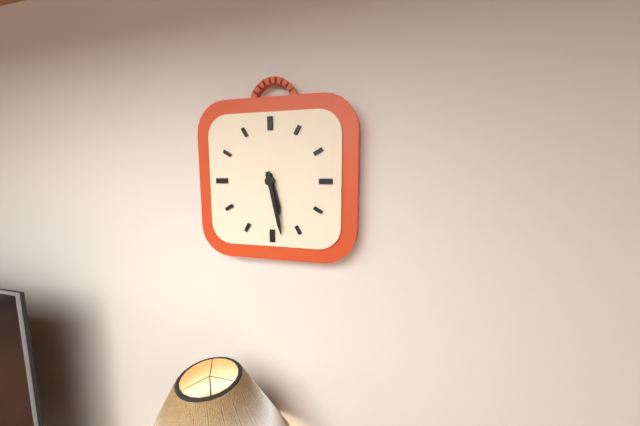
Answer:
**5:28**
